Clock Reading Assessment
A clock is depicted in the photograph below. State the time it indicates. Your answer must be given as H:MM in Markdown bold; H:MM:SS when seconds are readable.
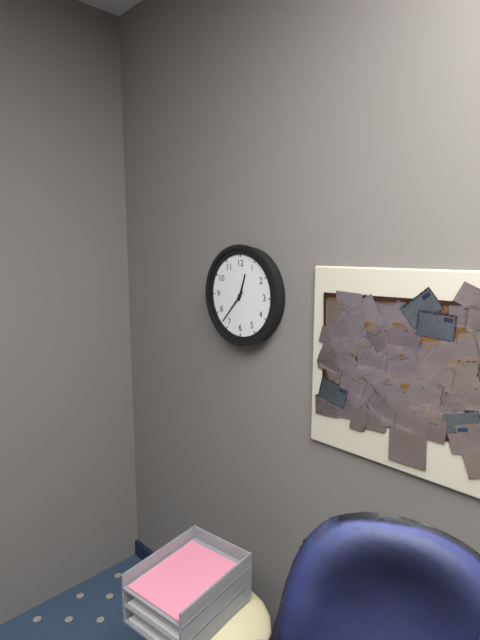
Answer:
**12:37**
